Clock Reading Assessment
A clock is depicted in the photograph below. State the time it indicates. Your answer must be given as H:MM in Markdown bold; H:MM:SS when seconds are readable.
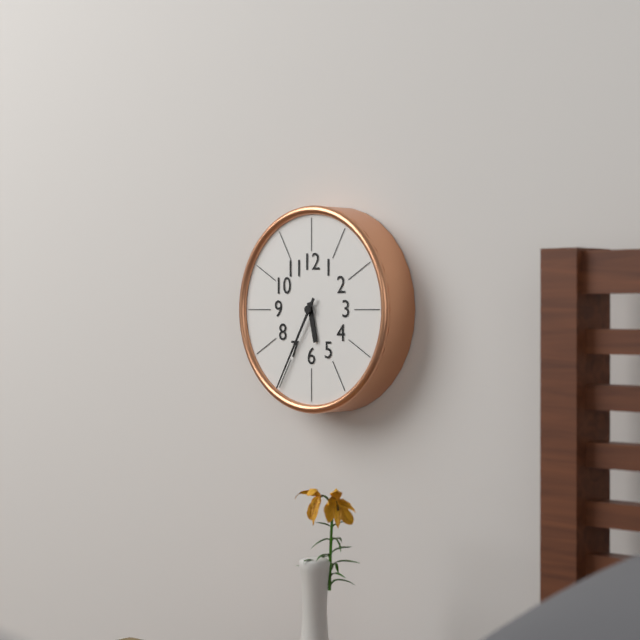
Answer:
**5:35**
